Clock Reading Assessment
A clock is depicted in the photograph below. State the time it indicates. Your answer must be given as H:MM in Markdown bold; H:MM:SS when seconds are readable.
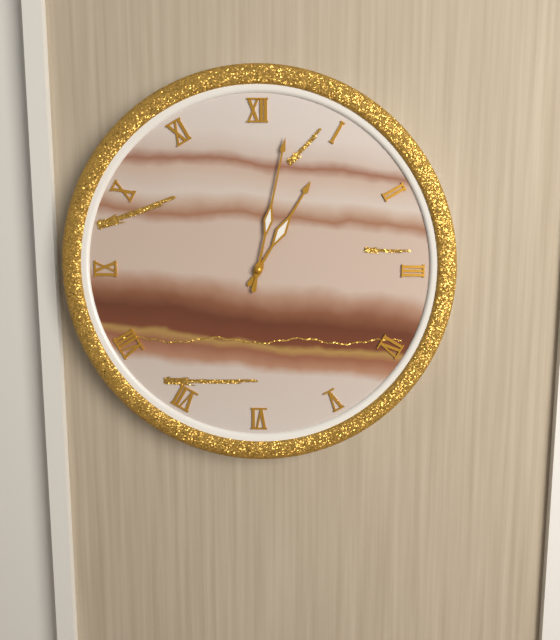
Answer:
**1:02**
